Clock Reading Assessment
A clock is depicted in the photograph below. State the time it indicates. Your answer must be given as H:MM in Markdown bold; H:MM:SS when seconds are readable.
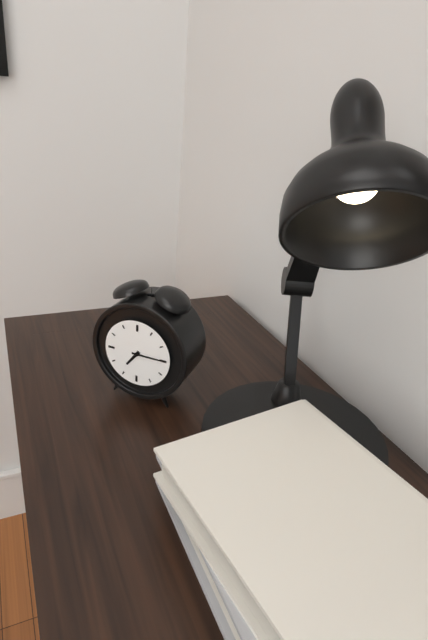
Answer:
**7:15**
